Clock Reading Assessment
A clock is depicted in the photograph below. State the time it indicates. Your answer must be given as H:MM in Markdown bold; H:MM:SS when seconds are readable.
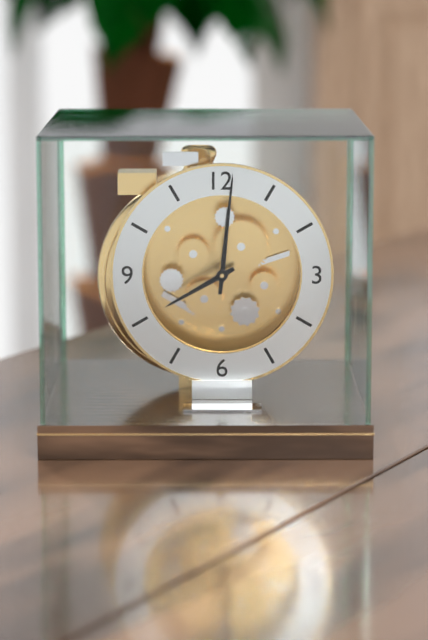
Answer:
**8:01**
